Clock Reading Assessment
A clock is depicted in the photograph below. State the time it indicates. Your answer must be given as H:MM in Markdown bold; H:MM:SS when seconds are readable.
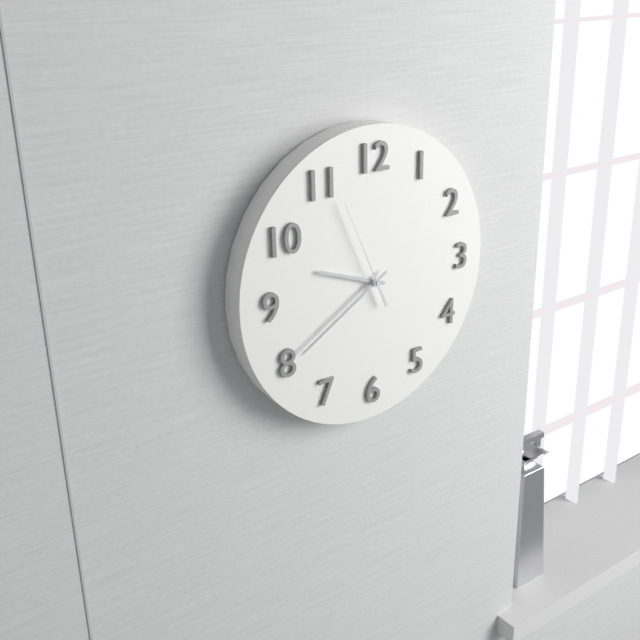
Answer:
**9:40:56**
